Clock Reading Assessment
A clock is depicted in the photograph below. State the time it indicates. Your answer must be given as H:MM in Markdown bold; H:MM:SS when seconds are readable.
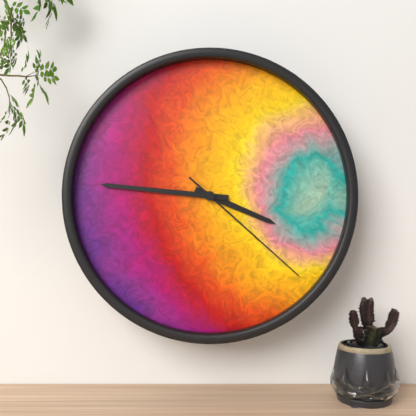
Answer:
**3:46:22**
